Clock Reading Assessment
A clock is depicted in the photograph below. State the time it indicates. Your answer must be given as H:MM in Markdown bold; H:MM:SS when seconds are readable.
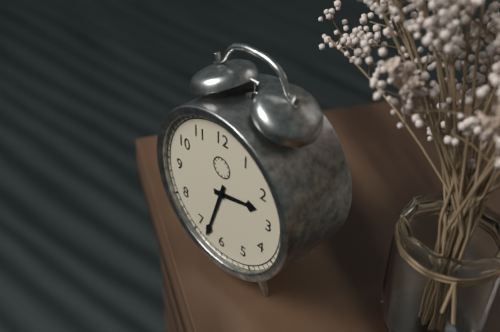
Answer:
**2:33**
